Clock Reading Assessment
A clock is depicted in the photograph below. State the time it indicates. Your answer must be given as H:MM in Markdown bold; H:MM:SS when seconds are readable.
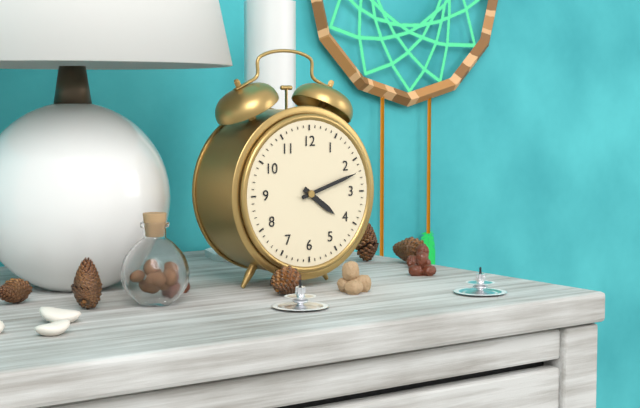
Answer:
**4:12**
